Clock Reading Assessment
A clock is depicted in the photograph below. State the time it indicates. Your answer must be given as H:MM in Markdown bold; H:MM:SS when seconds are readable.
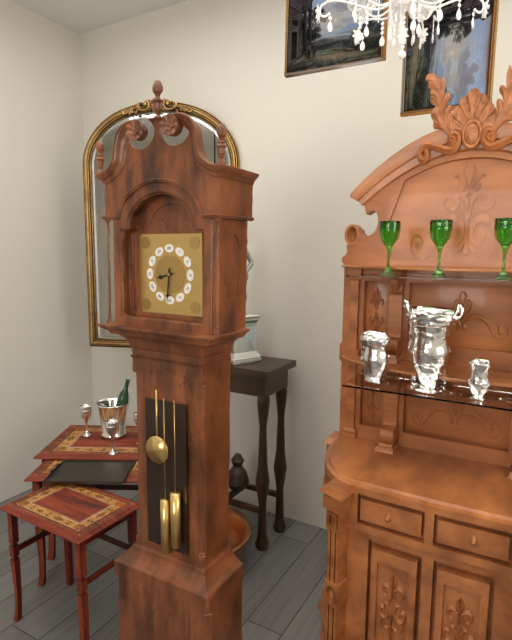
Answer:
**8:31**
